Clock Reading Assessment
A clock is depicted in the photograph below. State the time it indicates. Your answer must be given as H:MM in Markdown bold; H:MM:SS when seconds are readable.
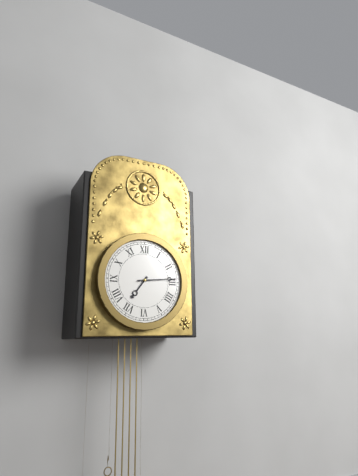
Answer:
**7:14**
